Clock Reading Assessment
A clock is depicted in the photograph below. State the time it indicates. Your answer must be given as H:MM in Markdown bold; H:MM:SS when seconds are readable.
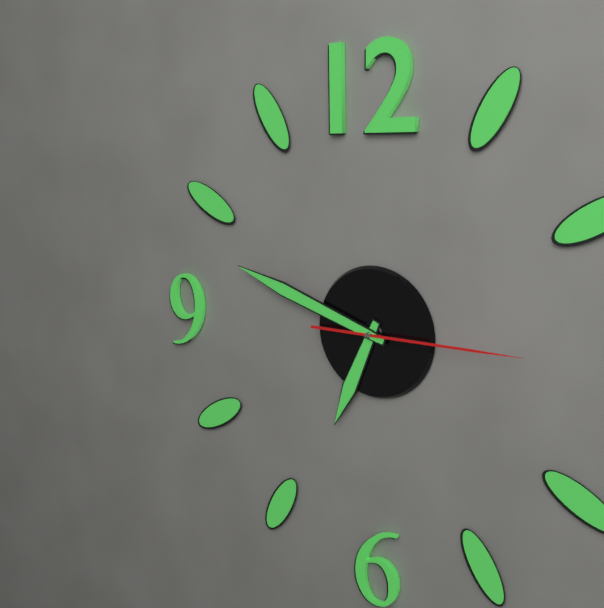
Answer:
**6:48:15**
